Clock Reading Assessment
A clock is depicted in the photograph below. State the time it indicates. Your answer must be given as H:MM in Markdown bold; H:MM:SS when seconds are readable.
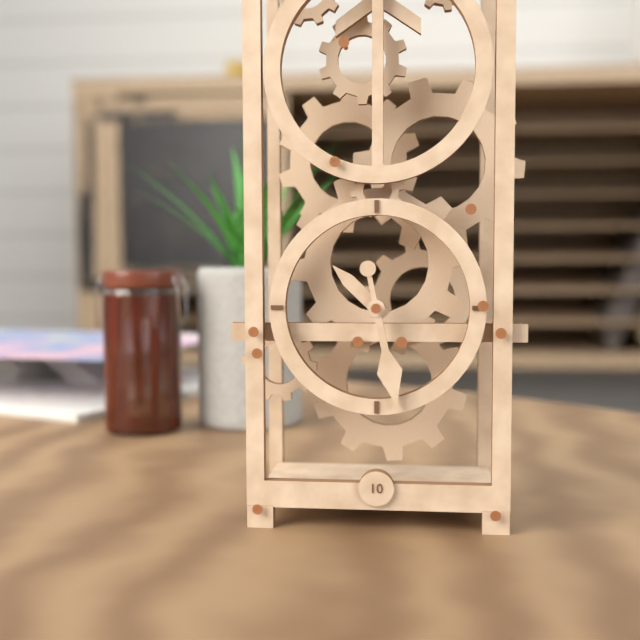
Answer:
**10:28**
